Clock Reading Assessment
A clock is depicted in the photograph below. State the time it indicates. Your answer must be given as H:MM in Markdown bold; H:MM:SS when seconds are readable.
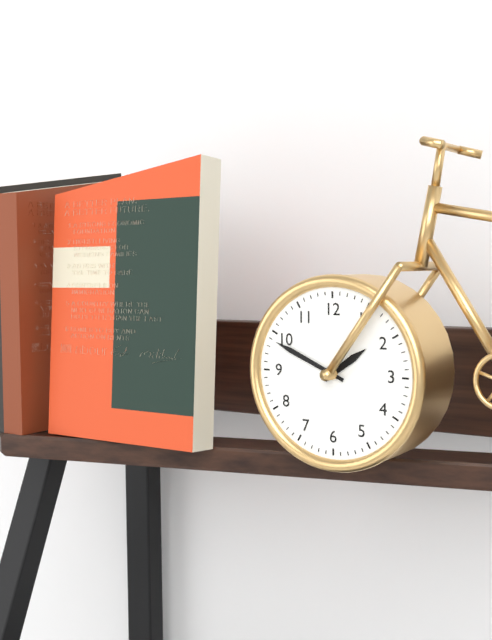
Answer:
**1:49**
